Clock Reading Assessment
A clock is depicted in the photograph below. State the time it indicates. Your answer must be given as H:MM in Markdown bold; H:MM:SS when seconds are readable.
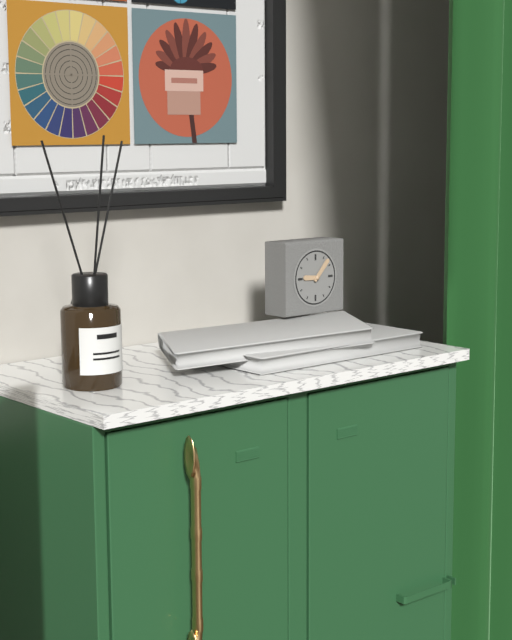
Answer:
**9:07**
